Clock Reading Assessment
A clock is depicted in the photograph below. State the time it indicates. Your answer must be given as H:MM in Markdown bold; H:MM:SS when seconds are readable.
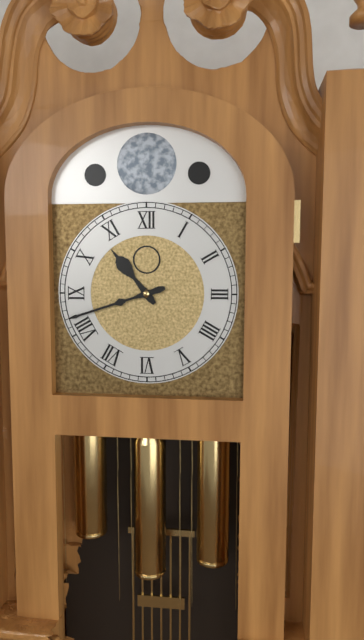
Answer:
**10:42**
